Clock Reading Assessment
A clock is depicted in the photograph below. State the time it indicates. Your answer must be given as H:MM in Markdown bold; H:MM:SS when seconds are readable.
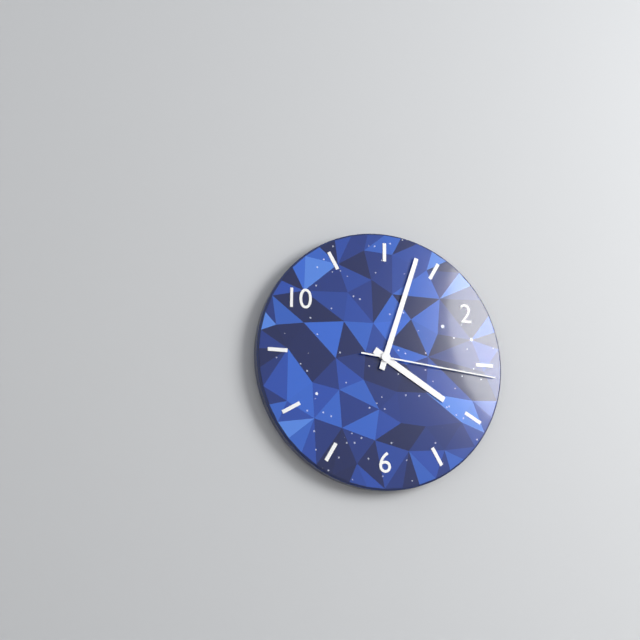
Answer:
**4:03:16**
